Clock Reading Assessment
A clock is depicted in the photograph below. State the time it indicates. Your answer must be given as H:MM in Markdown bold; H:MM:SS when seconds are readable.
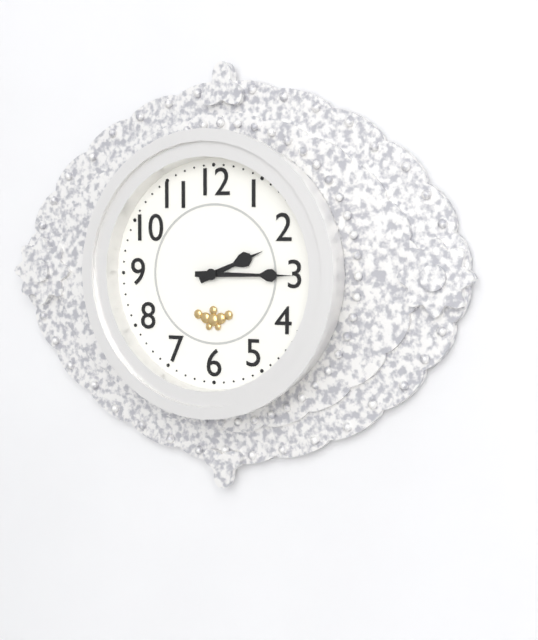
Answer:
**2:15**
